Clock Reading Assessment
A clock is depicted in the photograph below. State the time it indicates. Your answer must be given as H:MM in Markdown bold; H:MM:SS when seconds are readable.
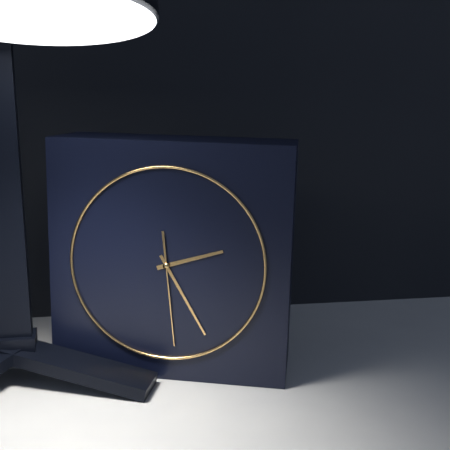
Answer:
**2:25:29**
